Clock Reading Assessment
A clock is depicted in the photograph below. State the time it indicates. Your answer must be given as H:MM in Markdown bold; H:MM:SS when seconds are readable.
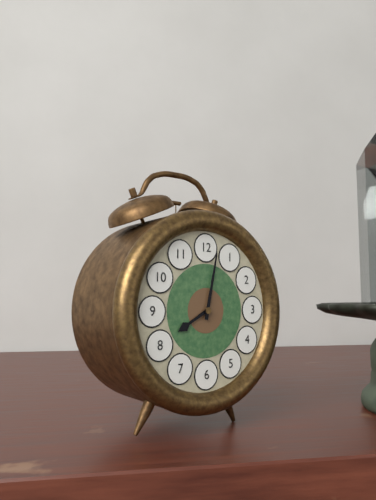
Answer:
**8:02**
